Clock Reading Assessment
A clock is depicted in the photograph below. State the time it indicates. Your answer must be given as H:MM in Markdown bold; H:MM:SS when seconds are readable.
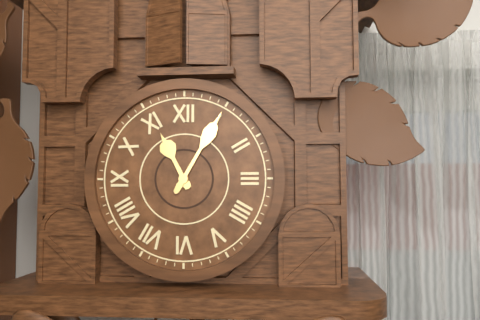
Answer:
**11:05**
